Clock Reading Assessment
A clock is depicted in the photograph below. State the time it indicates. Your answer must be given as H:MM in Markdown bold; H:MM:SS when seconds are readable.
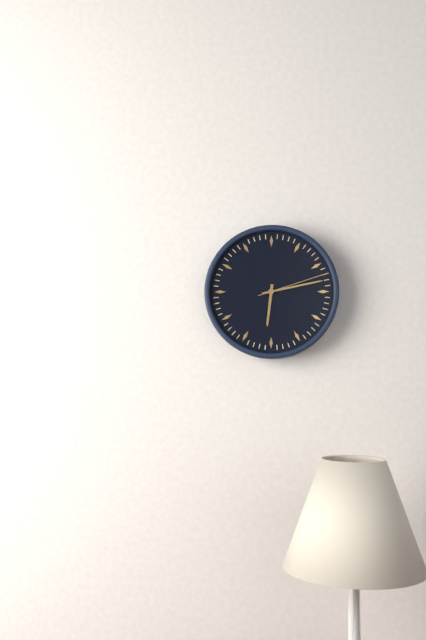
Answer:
**6:13:12**
